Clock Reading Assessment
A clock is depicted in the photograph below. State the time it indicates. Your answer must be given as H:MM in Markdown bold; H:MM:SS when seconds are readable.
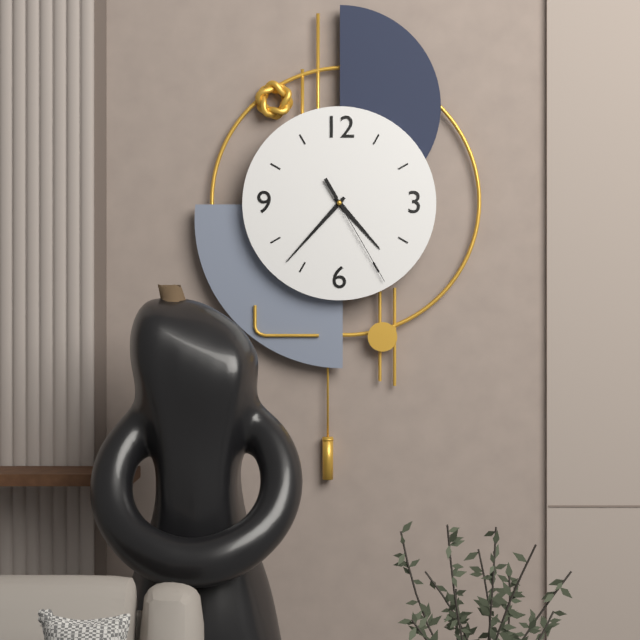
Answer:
**4:37:25**
